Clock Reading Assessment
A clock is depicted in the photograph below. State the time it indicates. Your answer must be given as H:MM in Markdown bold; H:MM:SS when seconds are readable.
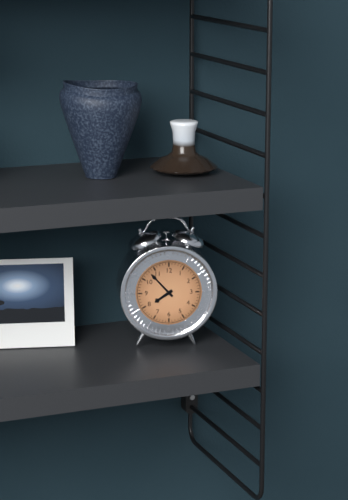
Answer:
**7:53**
